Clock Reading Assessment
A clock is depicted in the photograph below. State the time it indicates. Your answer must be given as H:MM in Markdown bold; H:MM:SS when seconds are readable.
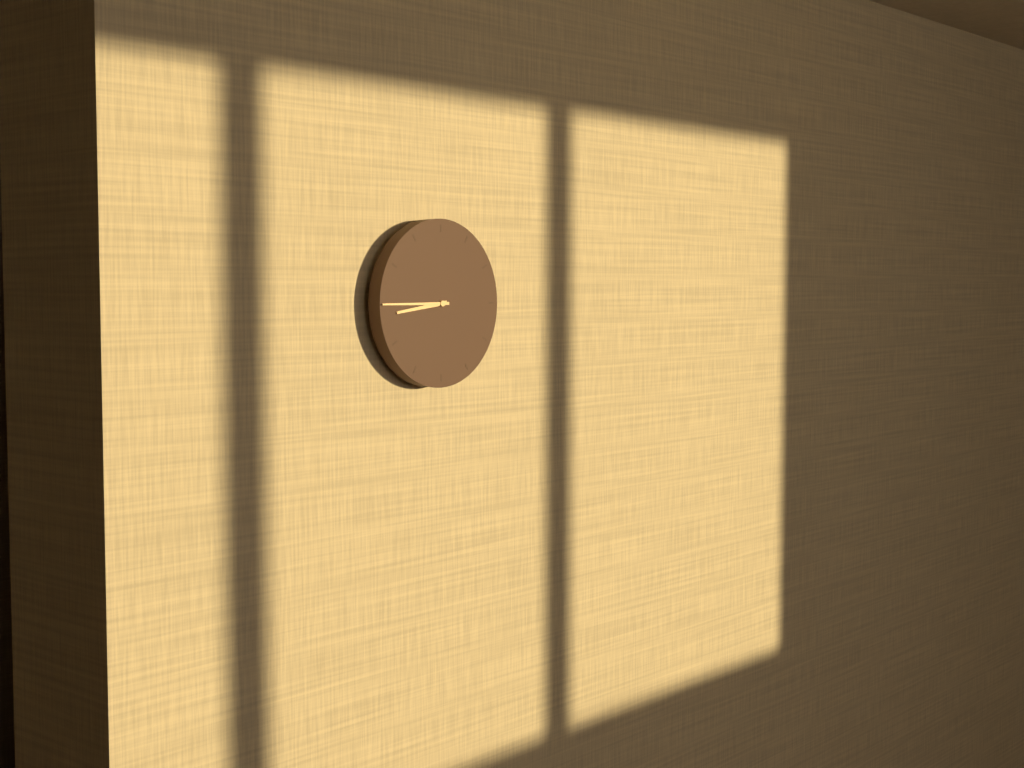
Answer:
**8:45**
